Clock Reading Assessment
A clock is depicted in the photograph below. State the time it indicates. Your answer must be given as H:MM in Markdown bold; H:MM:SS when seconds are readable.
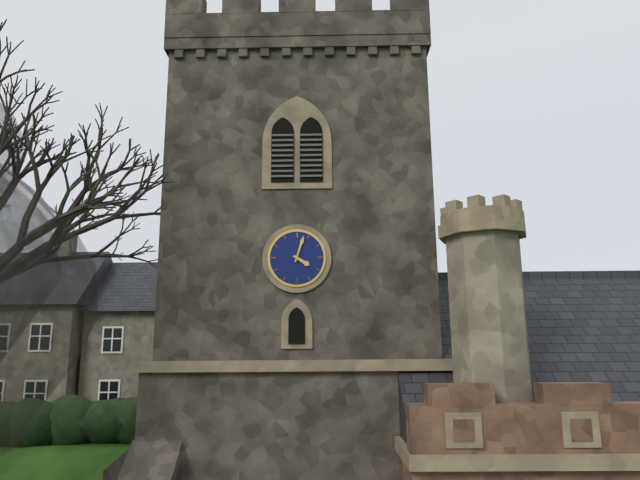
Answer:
**4:03**
